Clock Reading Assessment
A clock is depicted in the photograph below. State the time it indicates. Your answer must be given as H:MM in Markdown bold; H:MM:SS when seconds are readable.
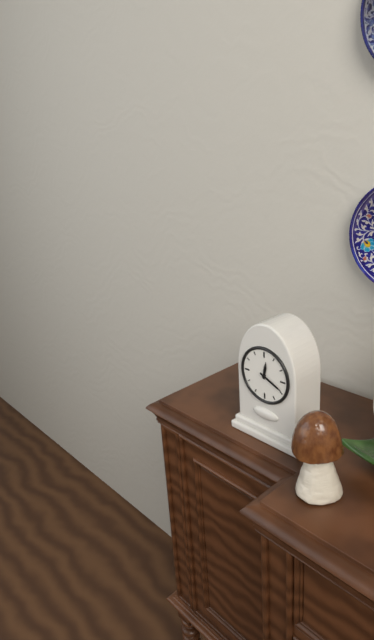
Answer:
**12:19**
